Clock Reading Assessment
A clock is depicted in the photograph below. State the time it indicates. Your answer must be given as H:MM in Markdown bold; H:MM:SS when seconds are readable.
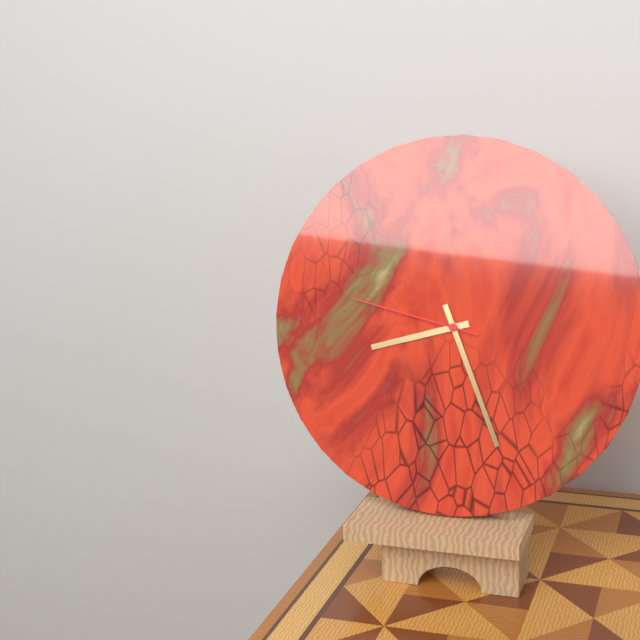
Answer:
**8:26:47**
